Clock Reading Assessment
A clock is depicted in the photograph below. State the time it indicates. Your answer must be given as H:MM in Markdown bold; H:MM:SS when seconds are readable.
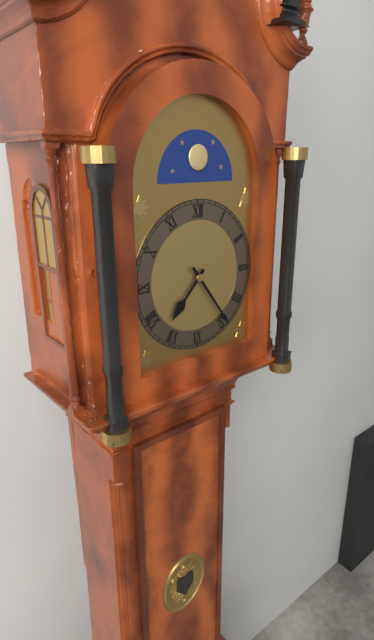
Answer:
**7:24**
